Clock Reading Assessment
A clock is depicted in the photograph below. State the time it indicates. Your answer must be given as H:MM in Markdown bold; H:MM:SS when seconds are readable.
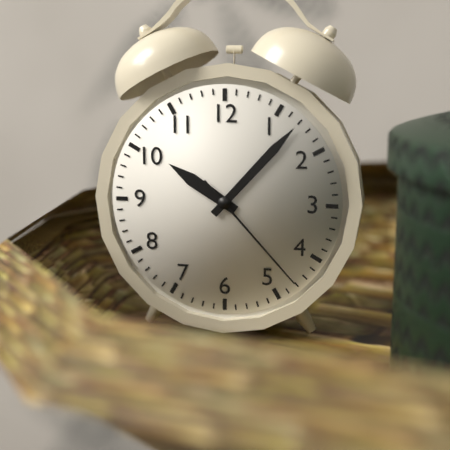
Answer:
**10:07:23**
